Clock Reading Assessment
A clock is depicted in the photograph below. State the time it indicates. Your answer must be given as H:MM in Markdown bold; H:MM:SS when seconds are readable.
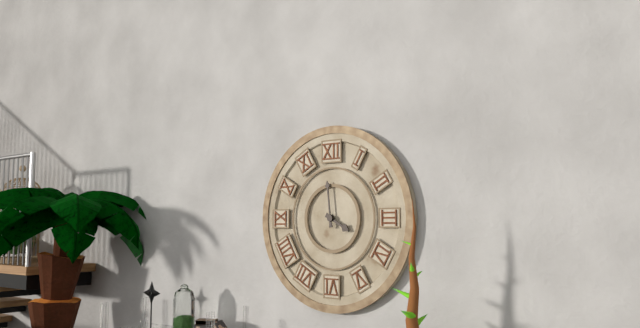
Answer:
**3:59**
